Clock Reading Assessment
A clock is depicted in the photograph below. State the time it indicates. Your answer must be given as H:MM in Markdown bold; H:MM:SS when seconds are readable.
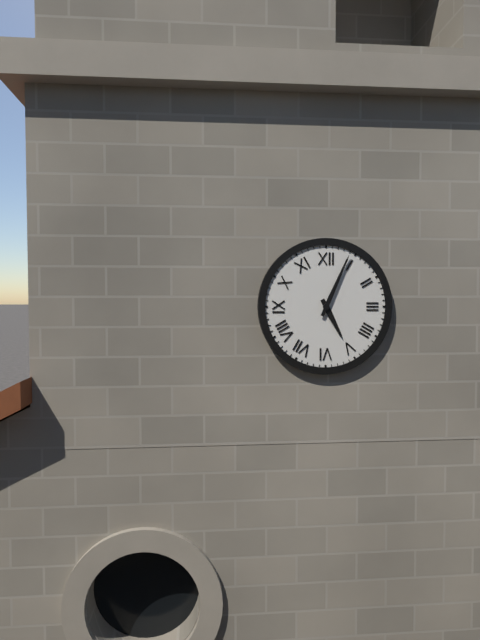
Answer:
**5:04**
